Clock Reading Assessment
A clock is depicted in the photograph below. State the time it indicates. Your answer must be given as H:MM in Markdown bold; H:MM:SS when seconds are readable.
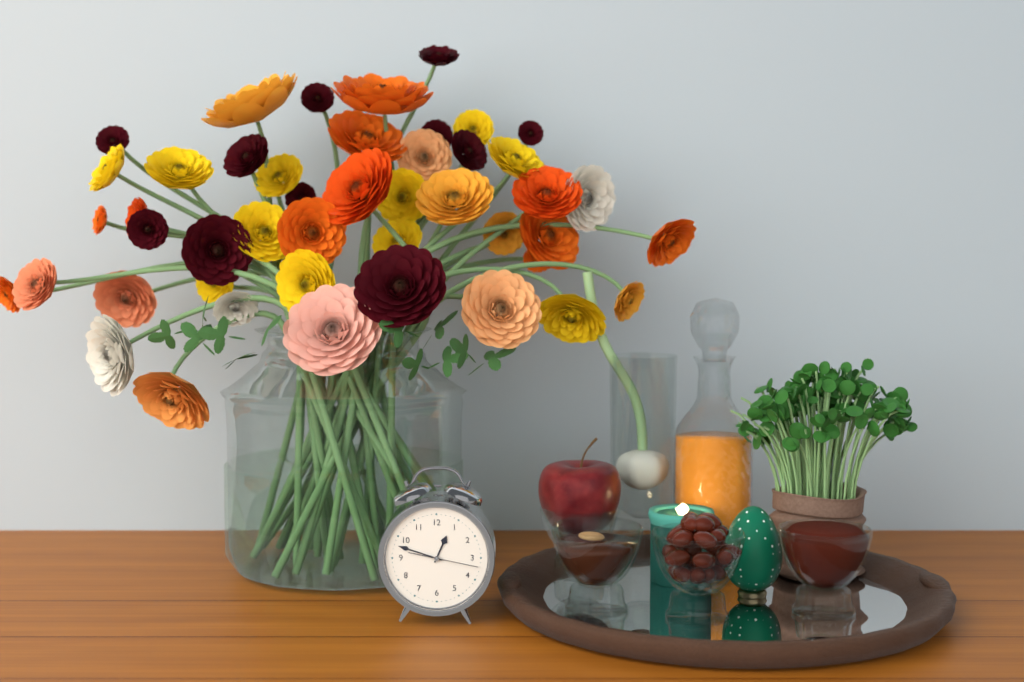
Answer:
**12:48:17**
